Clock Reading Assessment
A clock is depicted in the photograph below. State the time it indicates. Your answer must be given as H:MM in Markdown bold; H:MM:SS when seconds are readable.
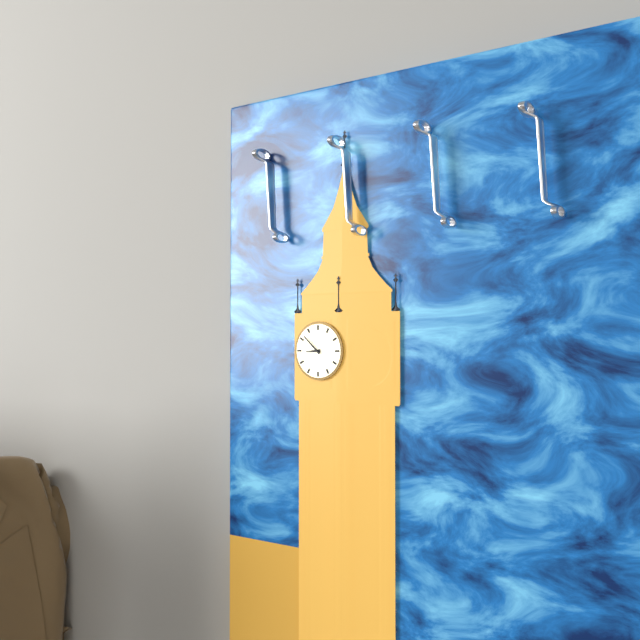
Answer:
**8:52**
